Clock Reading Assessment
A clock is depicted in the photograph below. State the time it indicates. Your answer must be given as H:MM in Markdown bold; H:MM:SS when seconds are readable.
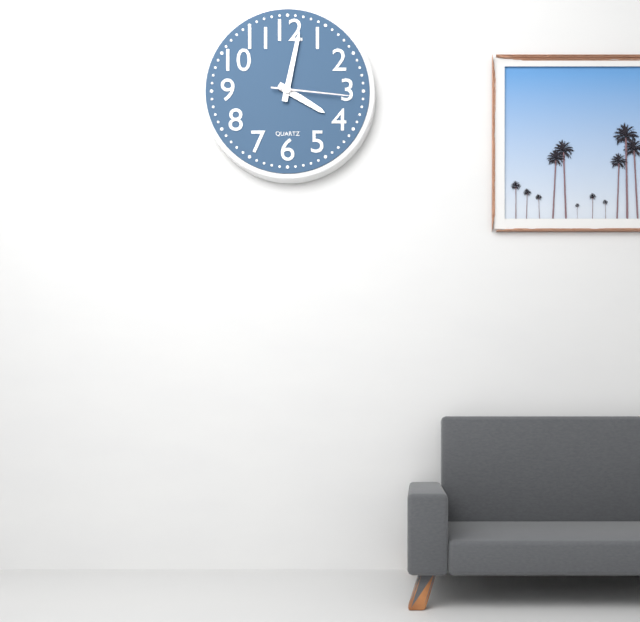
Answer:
**4:02:16**
